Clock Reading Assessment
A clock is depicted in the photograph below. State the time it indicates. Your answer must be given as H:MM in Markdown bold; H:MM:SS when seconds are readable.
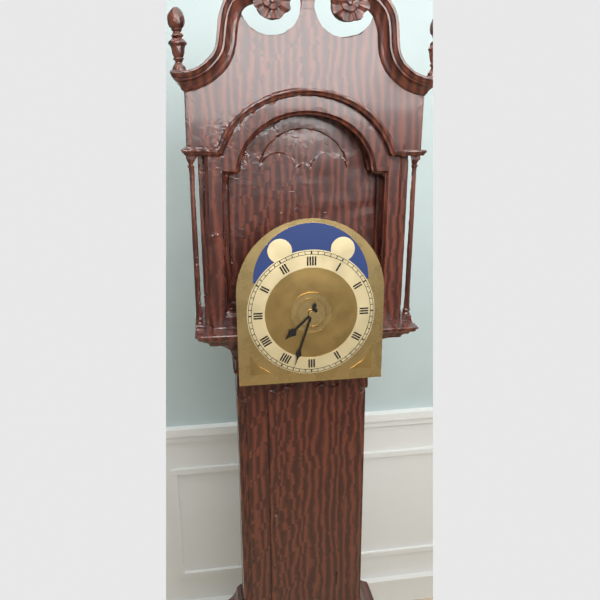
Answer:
**7:33**
